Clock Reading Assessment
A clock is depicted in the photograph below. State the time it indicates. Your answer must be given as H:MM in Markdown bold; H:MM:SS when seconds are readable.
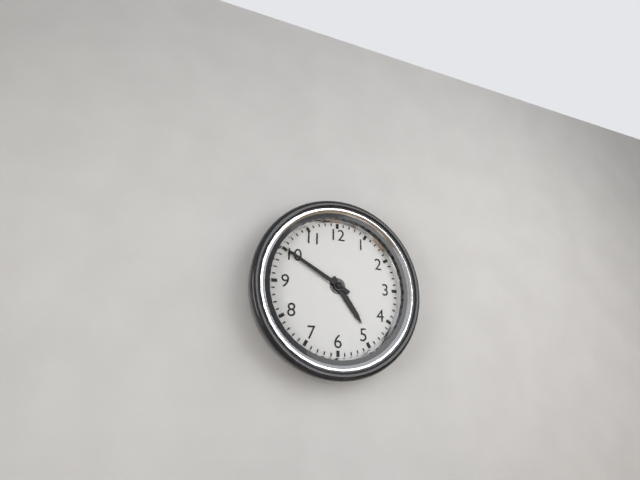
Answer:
**4:50**
